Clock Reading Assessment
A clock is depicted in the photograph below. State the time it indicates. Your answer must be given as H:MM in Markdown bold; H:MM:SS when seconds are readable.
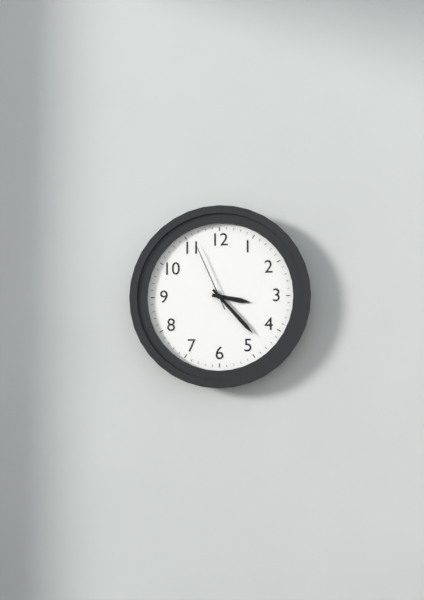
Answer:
**3:23:56**
